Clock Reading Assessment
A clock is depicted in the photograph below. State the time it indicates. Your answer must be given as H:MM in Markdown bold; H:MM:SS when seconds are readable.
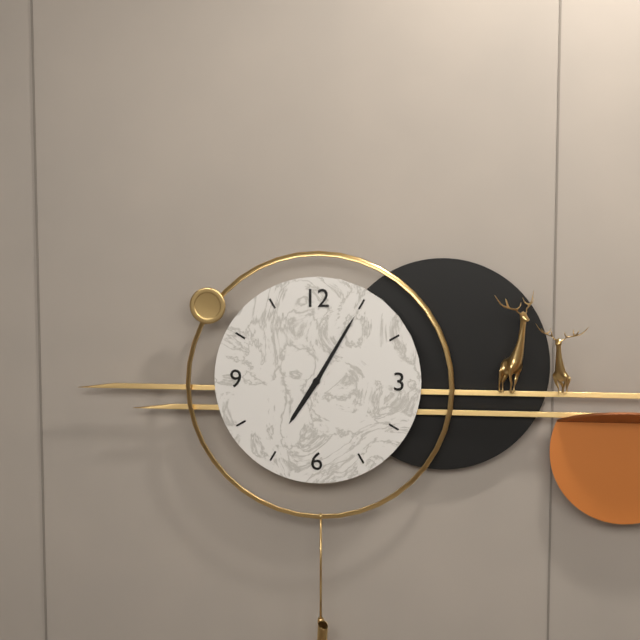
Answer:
**7:05**
